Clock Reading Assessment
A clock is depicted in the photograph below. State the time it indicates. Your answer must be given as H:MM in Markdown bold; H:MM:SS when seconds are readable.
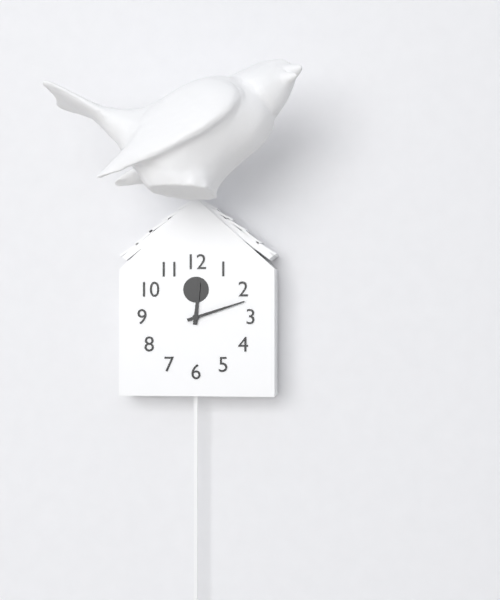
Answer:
**12:12**
